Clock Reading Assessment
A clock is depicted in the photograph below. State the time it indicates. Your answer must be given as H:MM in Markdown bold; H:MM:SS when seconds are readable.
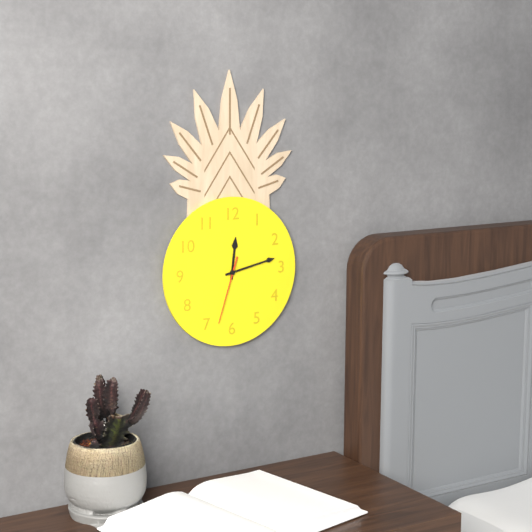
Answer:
**12:13:33**
